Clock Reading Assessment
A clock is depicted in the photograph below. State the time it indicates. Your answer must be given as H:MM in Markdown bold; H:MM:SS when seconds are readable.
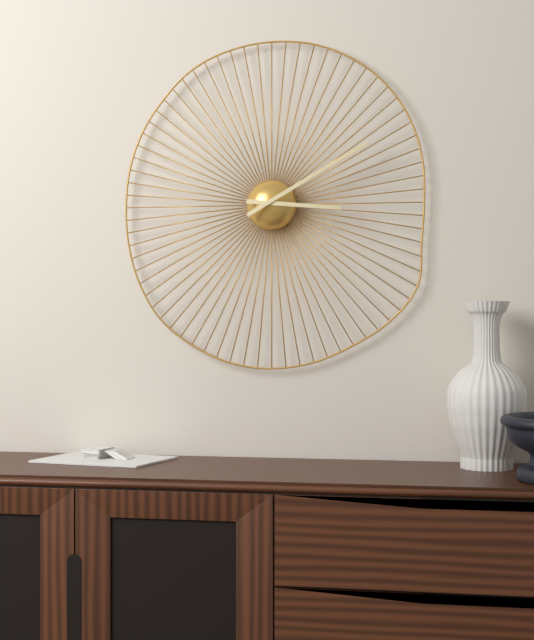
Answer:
**3:10**
